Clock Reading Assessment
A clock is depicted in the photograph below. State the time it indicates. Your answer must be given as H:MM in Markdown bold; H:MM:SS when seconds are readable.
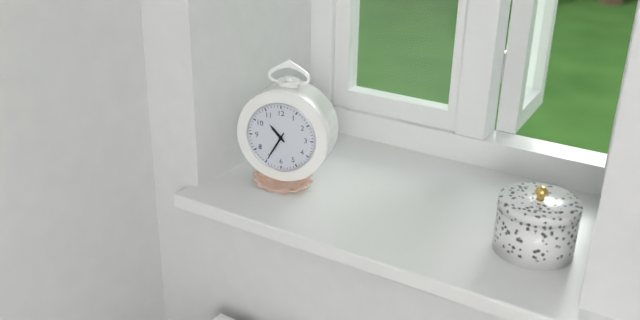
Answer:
**10:35**
